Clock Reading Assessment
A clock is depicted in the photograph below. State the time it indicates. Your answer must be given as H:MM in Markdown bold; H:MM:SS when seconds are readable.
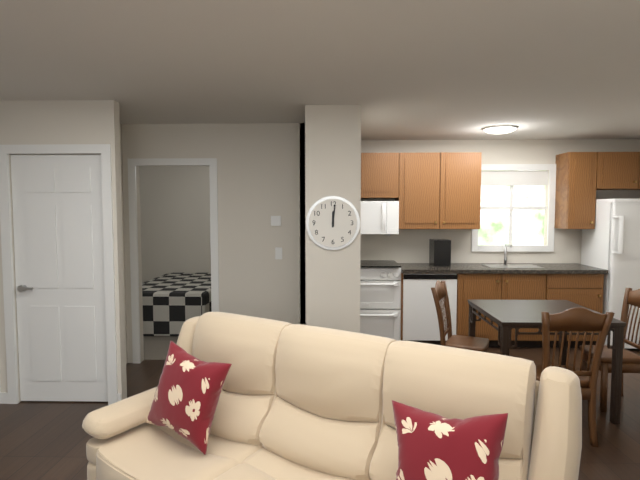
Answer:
**12:01**
